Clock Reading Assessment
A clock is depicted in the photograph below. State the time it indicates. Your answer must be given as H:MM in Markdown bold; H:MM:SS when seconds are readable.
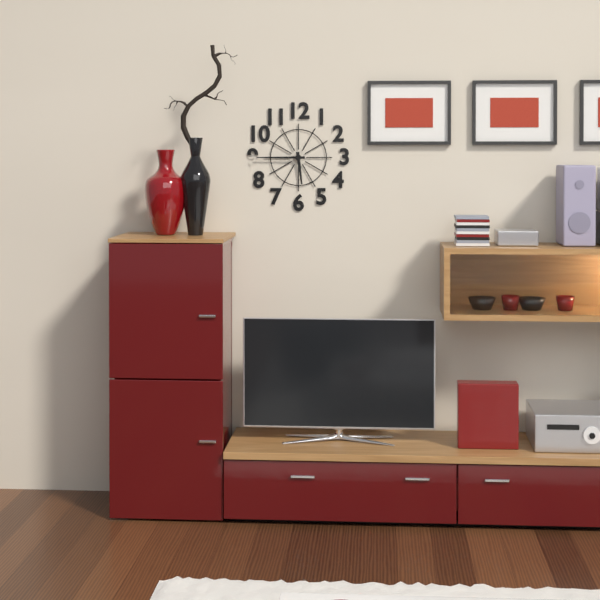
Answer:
**5:45**
